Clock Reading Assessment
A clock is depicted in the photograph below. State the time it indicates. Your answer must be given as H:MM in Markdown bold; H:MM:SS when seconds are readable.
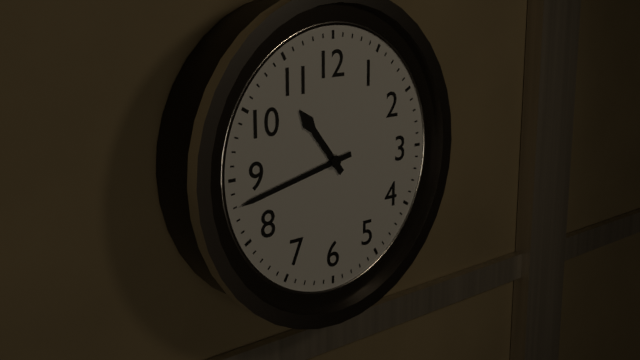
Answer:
**10:43**
